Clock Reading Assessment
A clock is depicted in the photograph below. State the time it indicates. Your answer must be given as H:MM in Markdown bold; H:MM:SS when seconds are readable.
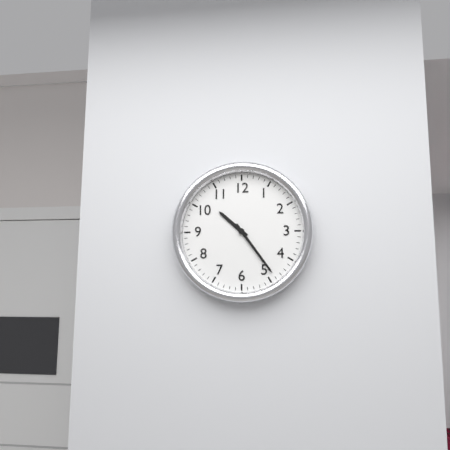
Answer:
**10:24**
